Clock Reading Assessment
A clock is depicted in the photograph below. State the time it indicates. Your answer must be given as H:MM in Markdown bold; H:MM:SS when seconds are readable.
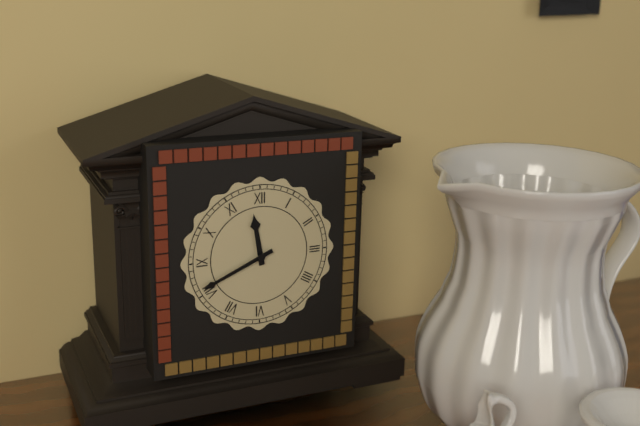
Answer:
**11:41**
